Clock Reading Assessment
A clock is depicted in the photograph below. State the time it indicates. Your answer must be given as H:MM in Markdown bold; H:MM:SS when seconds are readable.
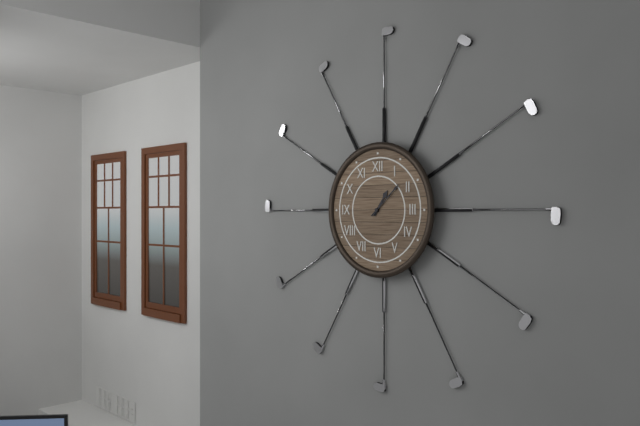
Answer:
**1:08**
